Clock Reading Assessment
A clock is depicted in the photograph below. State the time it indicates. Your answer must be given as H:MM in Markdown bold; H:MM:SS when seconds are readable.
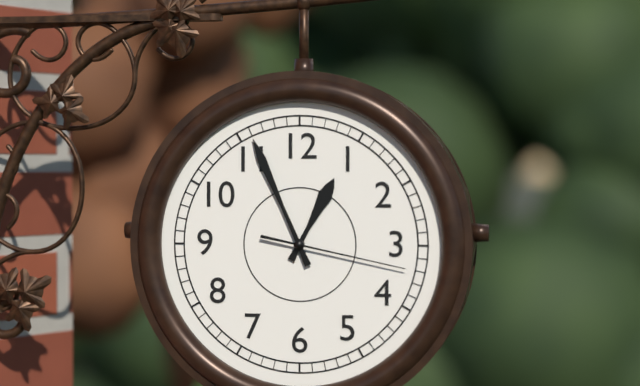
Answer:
**12:56:17**
